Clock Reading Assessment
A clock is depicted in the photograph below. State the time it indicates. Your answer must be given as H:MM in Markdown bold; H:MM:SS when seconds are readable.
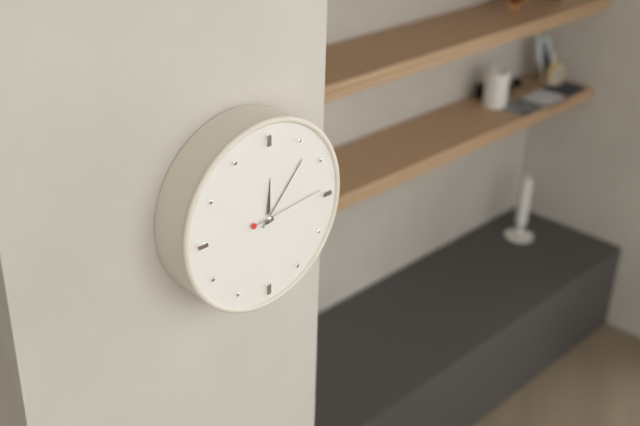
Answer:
**12:07:14**
